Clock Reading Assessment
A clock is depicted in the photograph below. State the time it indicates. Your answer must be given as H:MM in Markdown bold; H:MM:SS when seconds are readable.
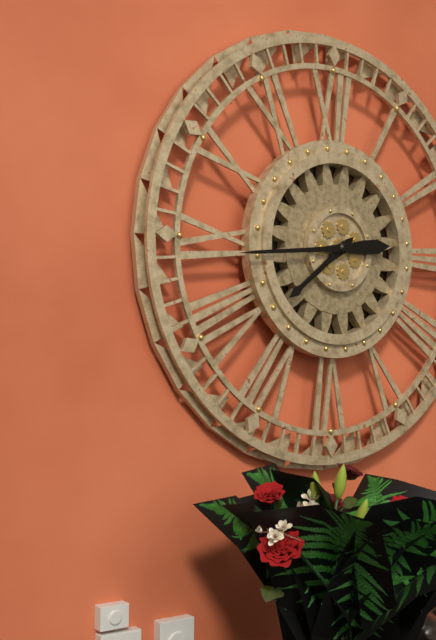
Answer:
**7:44**
